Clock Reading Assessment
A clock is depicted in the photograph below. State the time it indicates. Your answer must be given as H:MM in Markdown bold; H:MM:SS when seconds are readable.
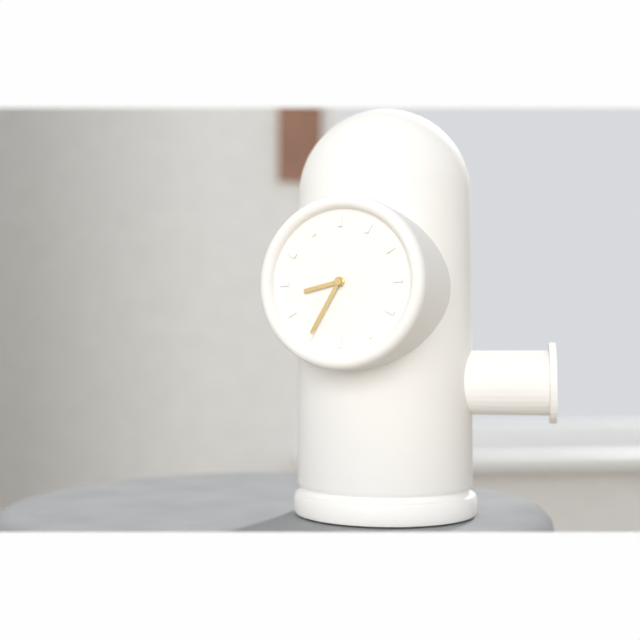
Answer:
**8:35**
